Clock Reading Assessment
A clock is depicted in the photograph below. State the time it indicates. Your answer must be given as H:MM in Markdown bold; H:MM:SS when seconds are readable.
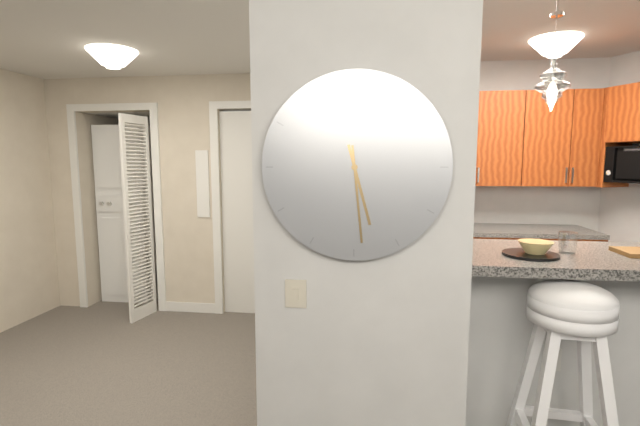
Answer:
**5:29**
